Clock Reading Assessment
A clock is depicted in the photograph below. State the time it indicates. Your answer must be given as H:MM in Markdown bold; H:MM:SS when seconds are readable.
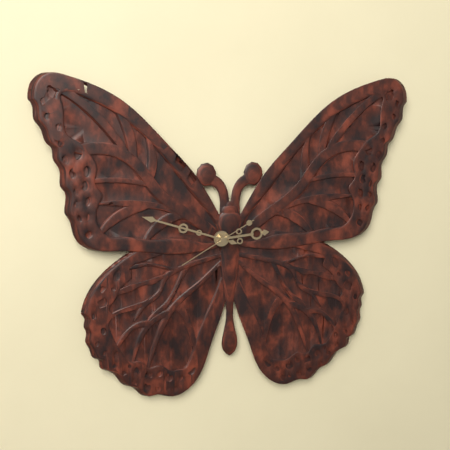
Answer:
**2:48:40**
